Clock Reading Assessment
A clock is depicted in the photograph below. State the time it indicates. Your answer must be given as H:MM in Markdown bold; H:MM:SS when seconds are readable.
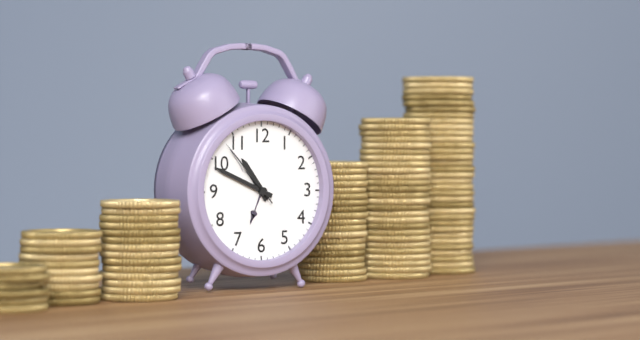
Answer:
**10:49:53**
